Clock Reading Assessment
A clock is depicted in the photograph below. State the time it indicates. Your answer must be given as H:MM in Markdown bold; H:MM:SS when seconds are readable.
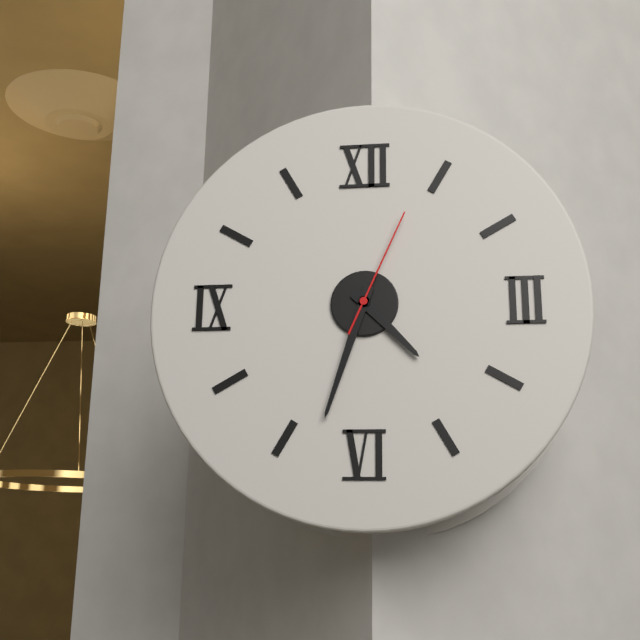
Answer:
**4:33:04**
